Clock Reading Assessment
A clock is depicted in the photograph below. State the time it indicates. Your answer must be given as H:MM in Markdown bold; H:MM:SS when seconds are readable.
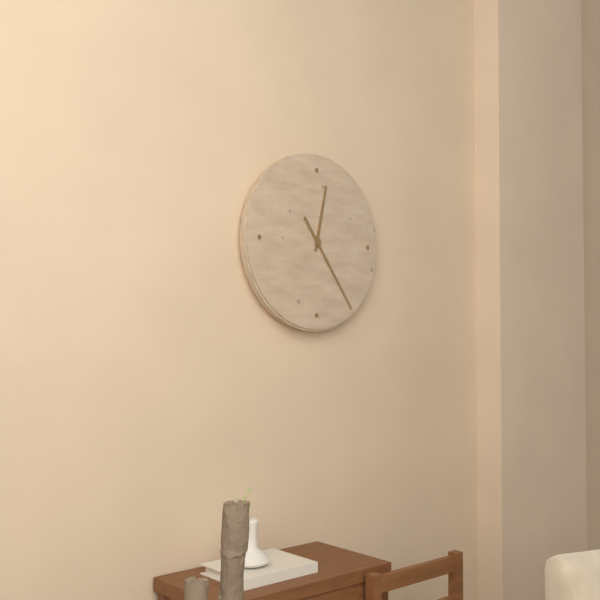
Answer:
**12:24**
